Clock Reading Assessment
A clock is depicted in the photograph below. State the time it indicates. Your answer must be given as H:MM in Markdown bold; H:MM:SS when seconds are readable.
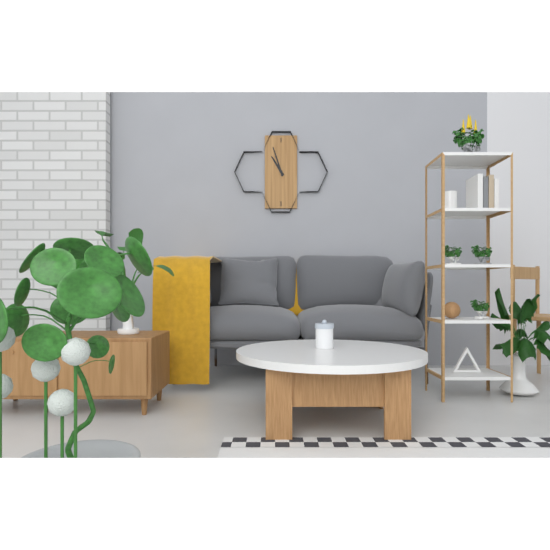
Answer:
**10:57**
